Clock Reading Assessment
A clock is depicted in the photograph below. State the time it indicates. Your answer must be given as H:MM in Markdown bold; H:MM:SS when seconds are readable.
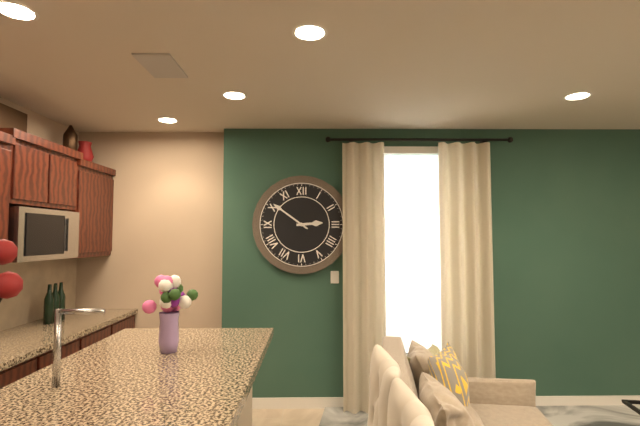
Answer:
**2:51**
